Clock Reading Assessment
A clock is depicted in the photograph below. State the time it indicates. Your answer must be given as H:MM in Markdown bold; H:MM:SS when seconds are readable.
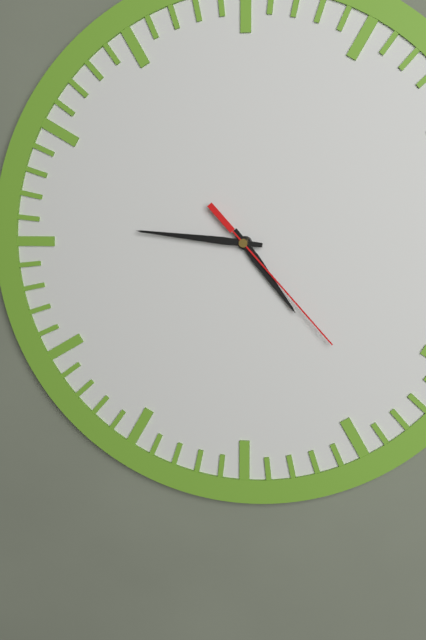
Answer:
**4:46:23**
